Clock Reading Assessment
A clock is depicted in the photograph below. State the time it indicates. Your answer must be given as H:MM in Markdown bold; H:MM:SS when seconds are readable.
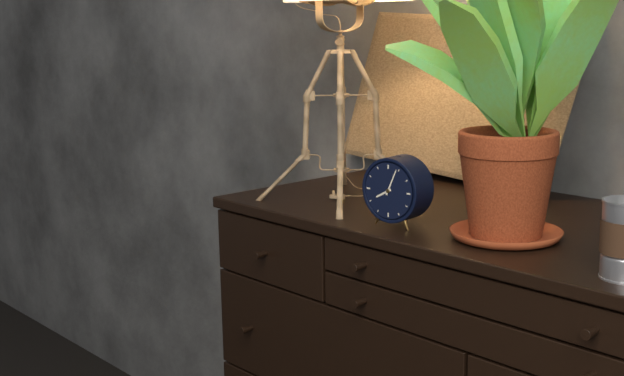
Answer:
**8:04**
